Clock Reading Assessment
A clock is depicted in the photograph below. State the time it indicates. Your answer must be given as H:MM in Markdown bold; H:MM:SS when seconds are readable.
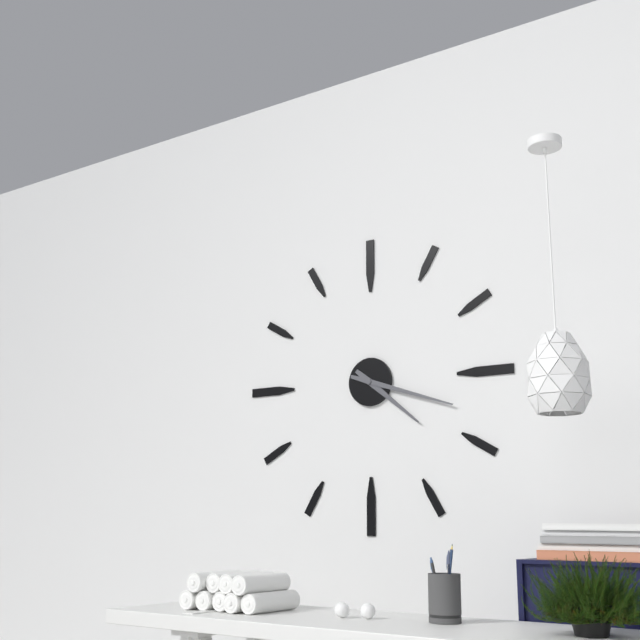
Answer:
**4:18**
